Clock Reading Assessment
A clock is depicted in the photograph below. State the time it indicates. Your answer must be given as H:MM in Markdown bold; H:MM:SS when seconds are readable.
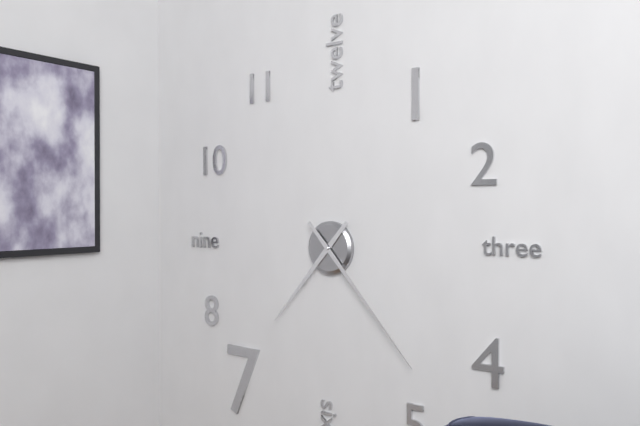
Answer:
**7:23**
